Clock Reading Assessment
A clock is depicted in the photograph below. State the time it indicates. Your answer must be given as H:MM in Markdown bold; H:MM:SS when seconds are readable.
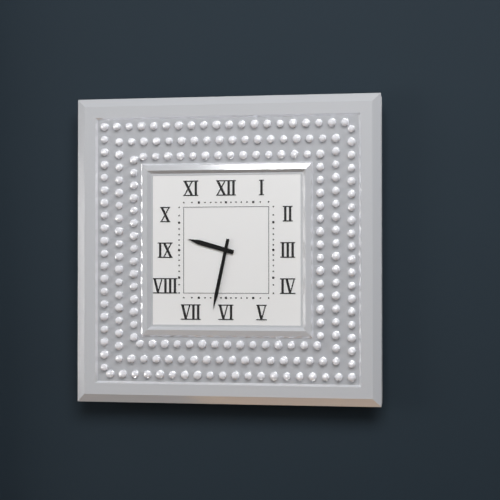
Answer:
**9:32**
